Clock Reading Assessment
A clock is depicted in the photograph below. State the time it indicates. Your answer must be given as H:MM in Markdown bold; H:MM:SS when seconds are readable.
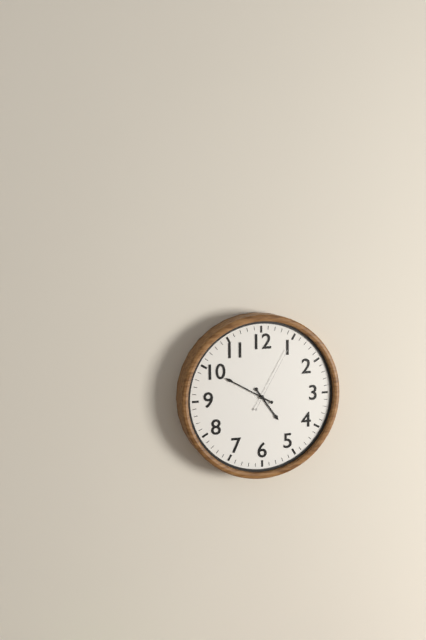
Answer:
**4:50:05**
